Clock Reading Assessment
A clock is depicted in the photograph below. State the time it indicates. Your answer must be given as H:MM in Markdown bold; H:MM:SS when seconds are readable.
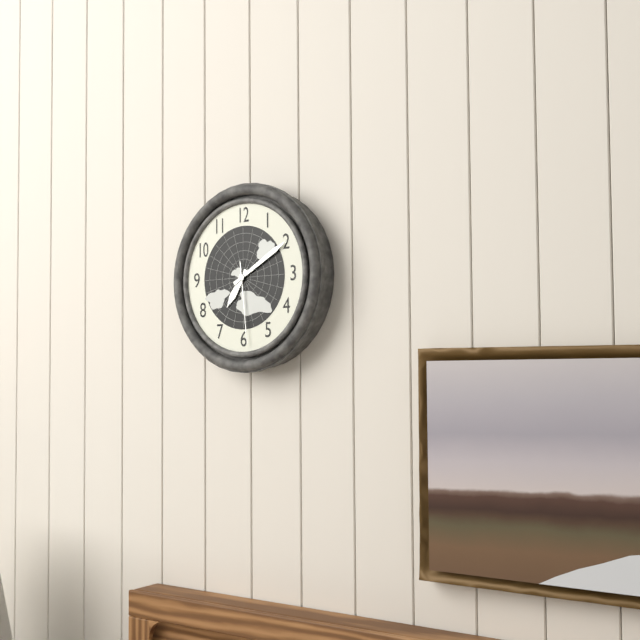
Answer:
**7:10:29**
